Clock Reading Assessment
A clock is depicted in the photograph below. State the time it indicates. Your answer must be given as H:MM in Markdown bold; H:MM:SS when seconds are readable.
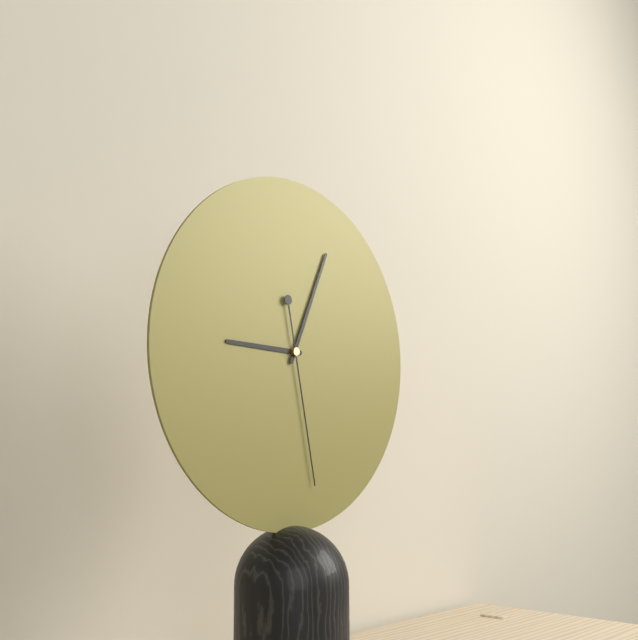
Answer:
**9:04:28**
